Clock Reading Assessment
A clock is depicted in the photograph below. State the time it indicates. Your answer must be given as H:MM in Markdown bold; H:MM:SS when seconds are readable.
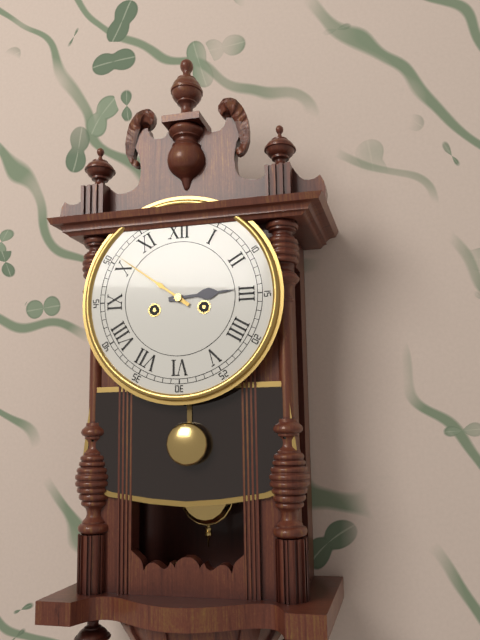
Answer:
**2:51**
